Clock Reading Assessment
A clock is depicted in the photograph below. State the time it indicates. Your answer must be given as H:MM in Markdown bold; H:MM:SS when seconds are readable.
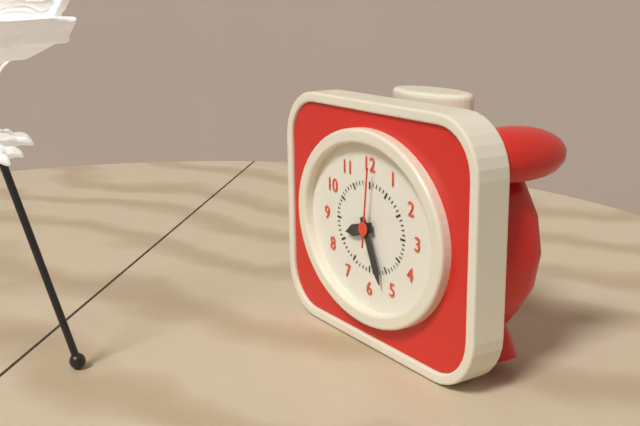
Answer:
**8:26:01**
